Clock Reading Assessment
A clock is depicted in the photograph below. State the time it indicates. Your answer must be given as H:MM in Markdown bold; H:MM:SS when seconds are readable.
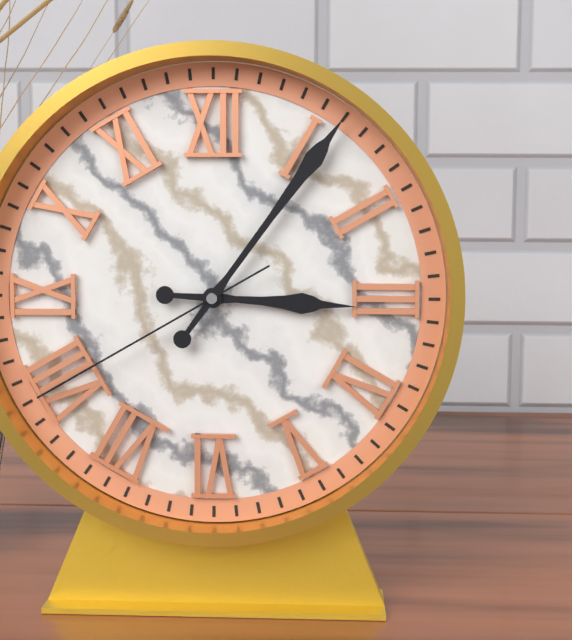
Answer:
**3:06:40**
